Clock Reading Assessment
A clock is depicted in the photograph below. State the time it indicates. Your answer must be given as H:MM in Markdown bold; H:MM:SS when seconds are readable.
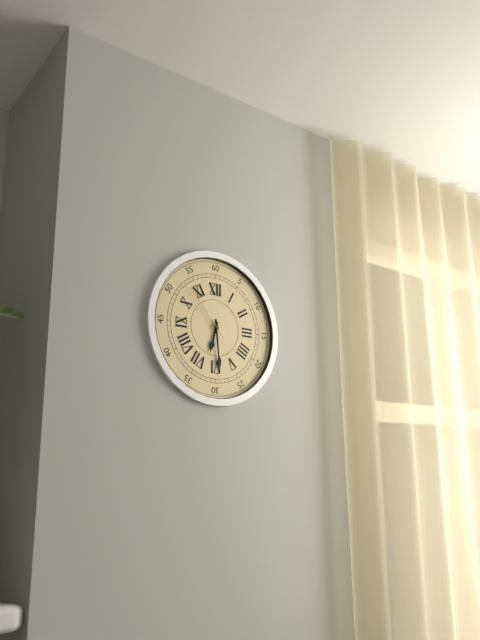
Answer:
**6:29:53**
